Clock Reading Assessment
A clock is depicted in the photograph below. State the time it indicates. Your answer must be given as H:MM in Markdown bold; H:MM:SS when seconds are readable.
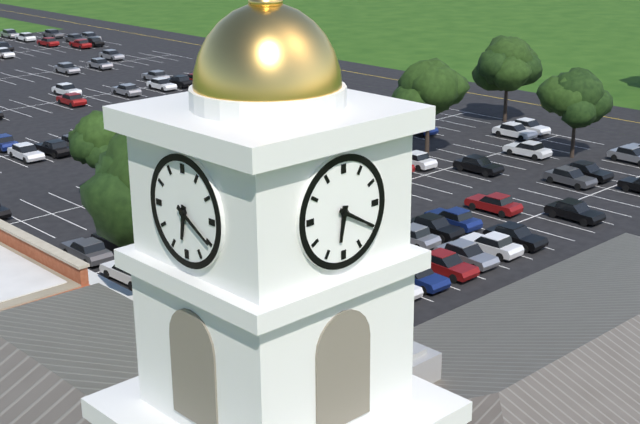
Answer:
**6:20**
